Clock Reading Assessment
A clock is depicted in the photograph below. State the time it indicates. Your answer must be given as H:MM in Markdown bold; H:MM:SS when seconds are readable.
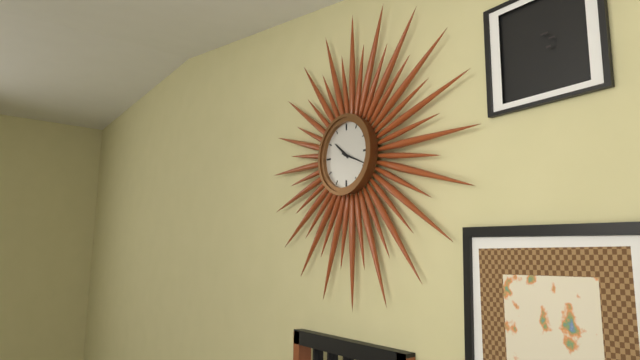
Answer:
**10:19**
